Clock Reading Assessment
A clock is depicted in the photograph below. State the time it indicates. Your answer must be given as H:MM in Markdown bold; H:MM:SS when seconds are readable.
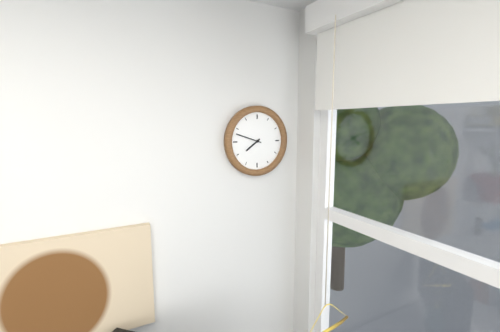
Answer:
**7:48**
